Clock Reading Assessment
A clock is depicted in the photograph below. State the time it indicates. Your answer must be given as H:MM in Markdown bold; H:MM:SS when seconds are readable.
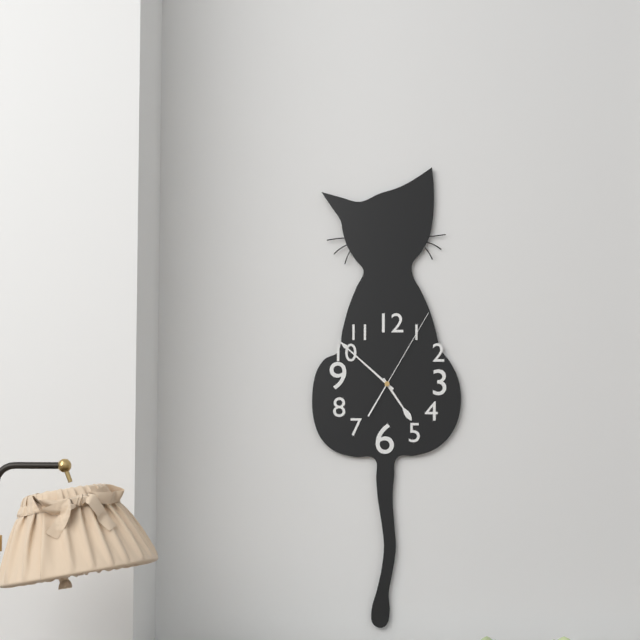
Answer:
**4:52:05**
